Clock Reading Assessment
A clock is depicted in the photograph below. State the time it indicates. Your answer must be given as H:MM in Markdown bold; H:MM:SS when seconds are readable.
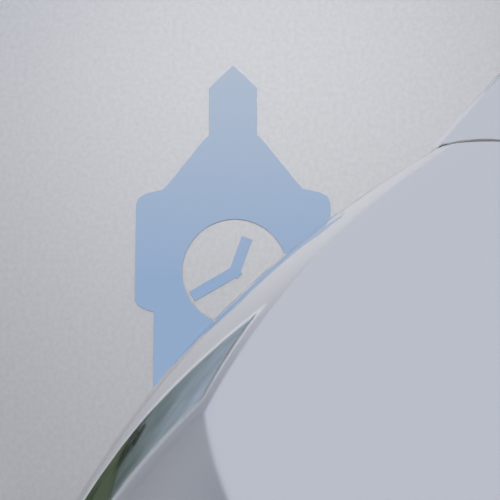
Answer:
**12:40**
